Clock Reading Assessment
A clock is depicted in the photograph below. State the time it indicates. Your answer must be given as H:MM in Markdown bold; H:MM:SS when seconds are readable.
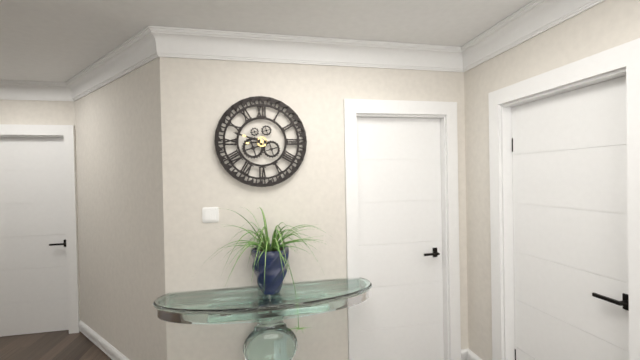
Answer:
**8:48**
